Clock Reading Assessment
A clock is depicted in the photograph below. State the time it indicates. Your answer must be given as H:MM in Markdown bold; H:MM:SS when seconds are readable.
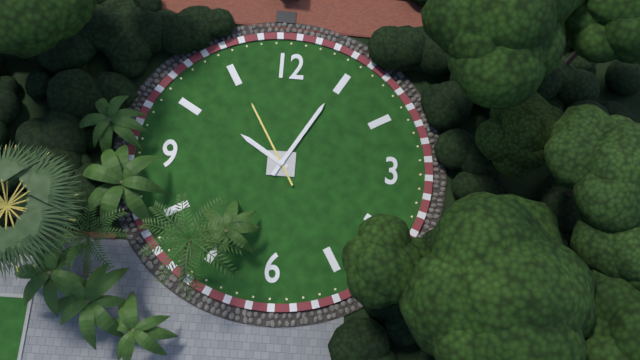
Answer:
**10:05:55**
